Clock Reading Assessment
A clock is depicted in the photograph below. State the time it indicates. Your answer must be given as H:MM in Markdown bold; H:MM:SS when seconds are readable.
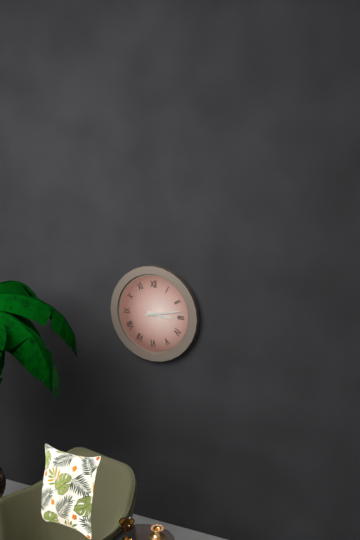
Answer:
**3:13**
